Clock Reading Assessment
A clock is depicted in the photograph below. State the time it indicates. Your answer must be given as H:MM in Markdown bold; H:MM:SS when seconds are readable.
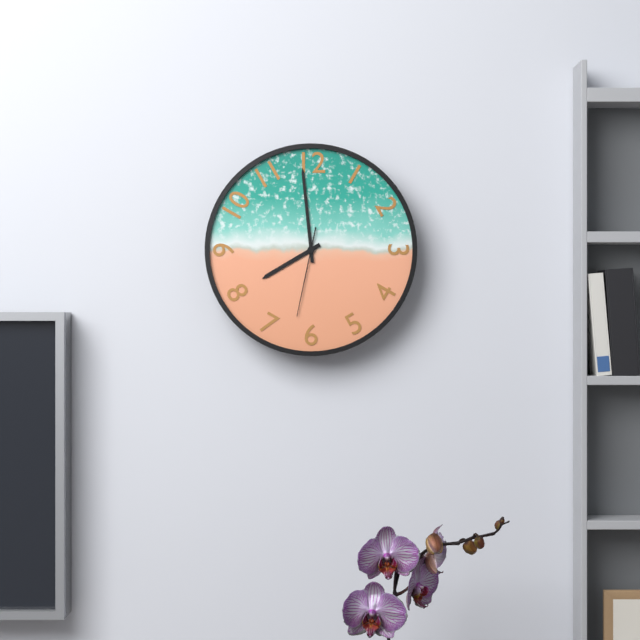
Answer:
**7:59:32**
